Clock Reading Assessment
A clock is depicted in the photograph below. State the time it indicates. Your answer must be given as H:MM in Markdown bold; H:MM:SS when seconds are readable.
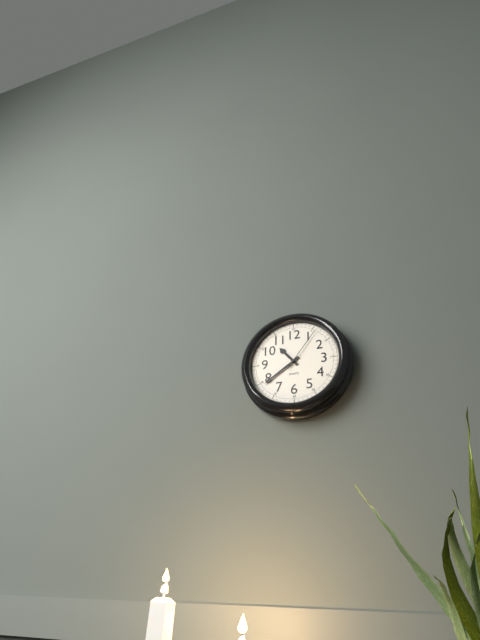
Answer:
**10:39**
